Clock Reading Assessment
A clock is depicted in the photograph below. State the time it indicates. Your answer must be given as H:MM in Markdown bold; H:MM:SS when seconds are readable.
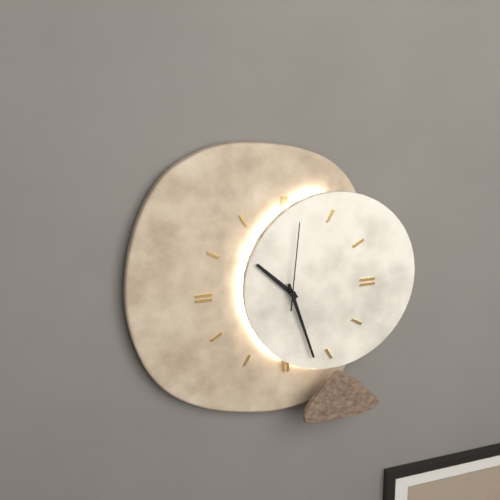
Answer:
**10:27:01**
